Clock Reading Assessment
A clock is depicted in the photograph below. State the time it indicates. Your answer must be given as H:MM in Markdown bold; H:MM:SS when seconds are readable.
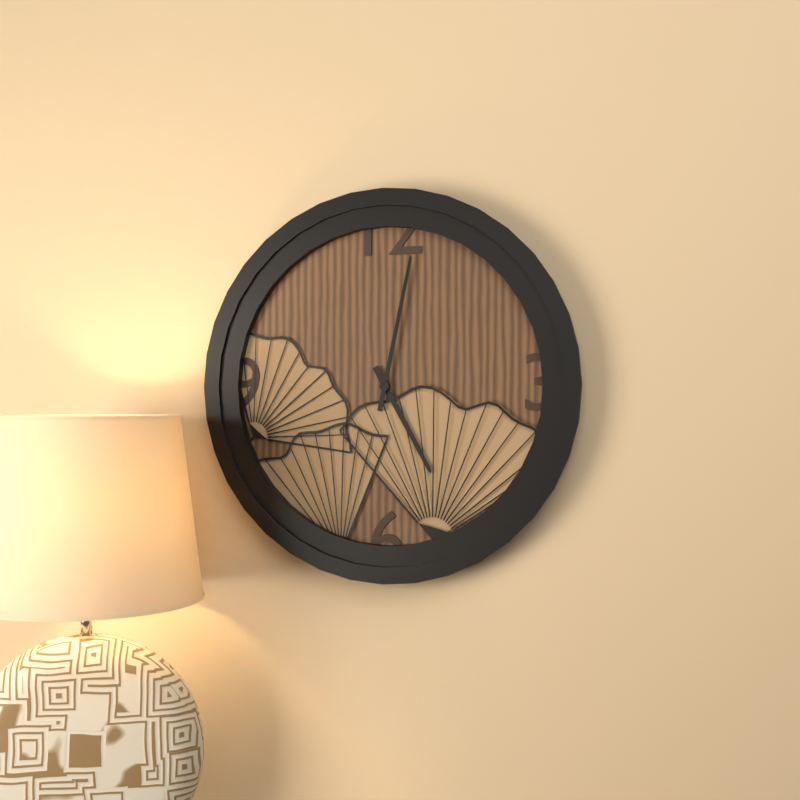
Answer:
**5:02**
